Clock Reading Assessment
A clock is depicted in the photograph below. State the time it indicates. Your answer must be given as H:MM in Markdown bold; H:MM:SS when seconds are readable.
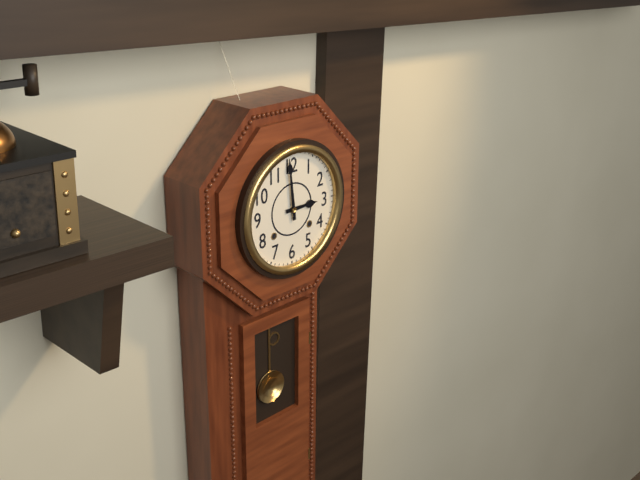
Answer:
**2:59**
